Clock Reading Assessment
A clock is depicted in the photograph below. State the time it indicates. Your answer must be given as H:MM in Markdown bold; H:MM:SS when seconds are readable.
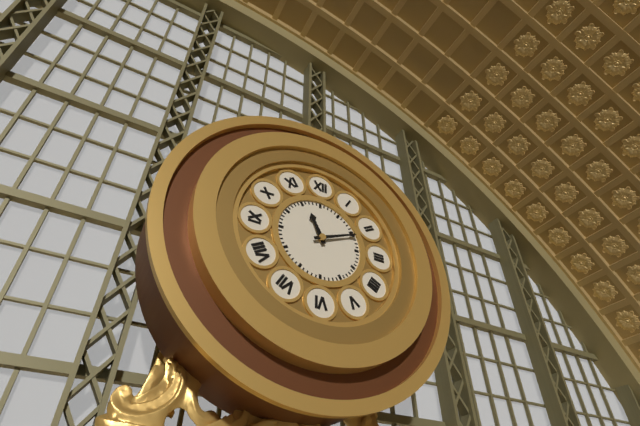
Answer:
**11:11**
